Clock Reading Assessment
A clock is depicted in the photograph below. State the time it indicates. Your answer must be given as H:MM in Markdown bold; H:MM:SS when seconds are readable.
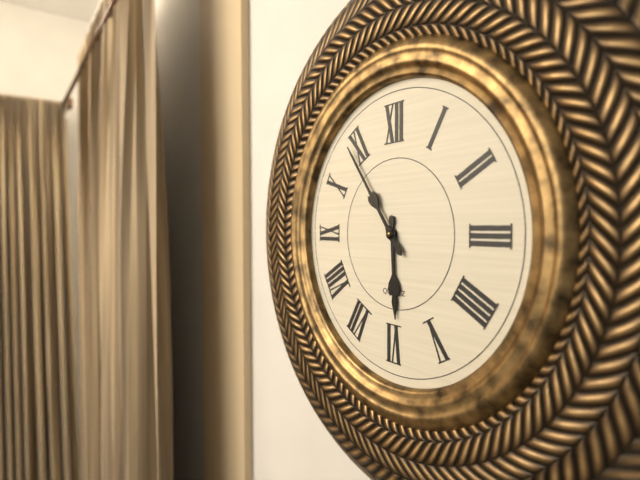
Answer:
**5:54**
